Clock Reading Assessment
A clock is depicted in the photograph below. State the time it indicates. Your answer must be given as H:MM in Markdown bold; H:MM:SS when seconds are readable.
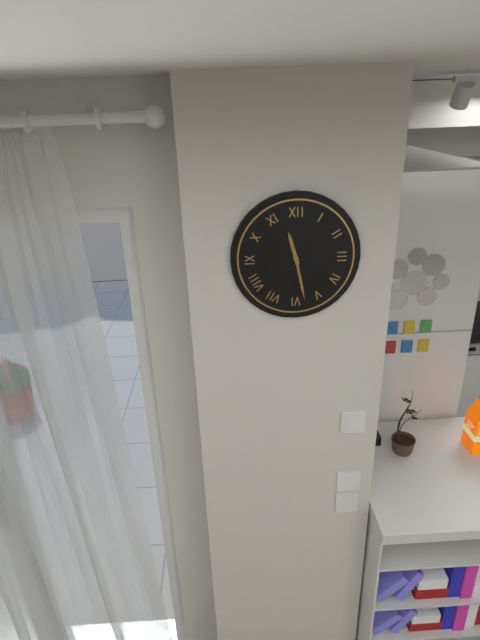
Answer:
**11:28**
